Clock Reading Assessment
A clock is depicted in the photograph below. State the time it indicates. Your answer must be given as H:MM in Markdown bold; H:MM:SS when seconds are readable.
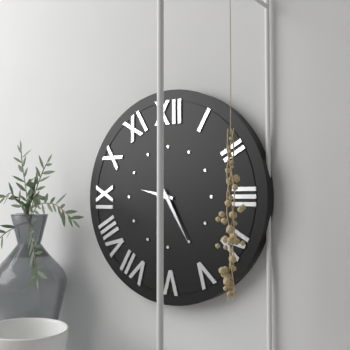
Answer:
**9:25**
